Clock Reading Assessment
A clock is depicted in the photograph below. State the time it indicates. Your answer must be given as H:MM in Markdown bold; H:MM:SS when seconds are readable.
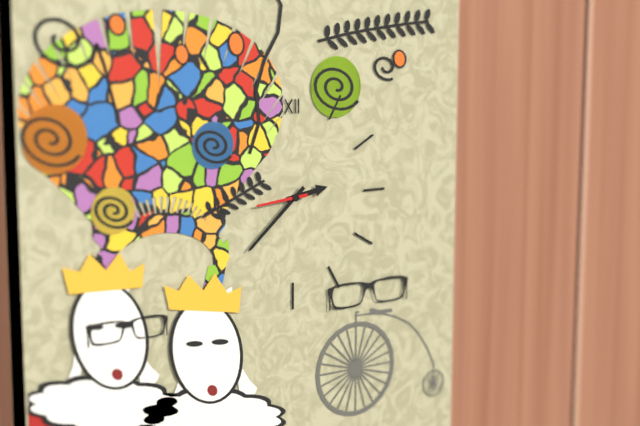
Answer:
**2:38**
